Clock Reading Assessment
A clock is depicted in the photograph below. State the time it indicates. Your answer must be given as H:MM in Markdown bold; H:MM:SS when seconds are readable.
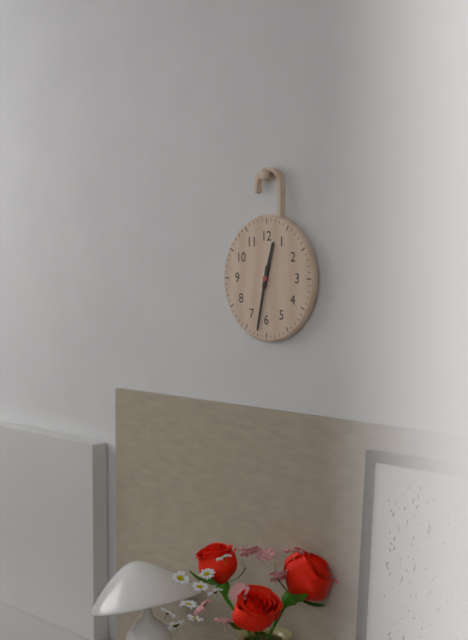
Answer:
**12:32**
